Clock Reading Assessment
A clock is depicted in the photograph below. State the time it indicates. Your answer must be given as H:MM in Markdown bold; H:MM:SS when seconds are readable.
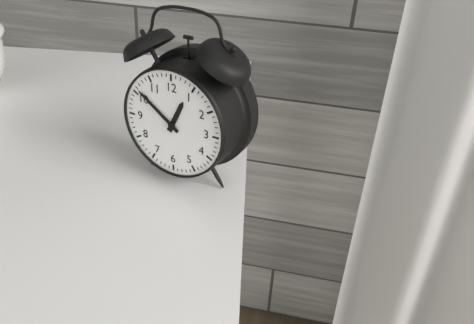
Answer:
**12:51**
